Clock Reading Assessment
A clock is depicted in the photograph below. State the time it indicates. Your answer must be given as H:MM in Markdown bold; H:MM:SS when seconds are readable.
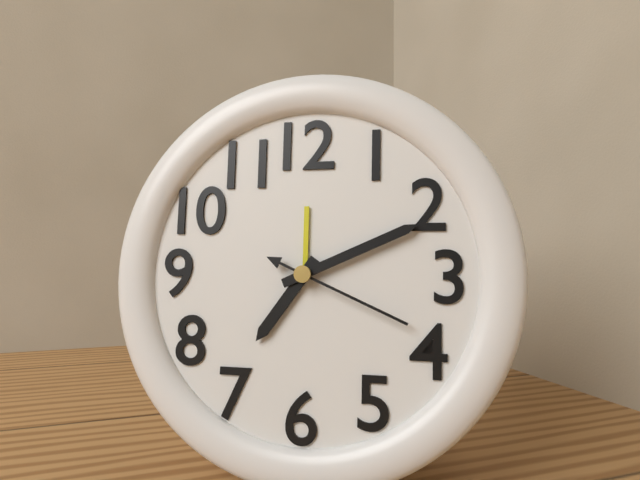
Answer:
**7:11:19**
